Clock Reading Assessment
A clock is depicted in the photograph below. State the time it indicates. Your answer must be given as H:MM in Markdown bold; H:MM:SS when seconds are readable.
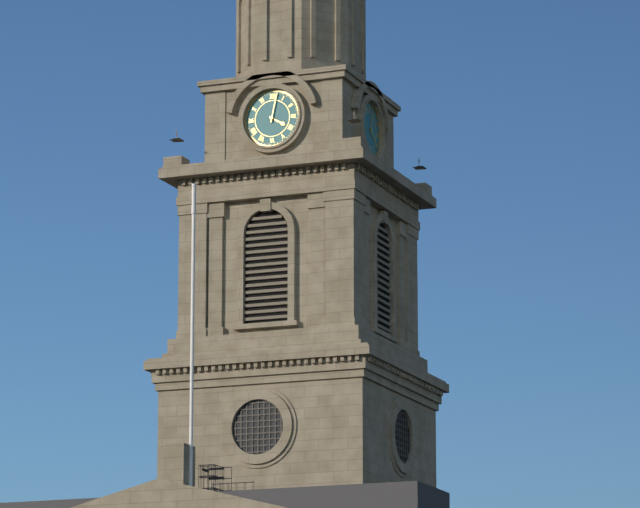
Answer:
**4:02**
